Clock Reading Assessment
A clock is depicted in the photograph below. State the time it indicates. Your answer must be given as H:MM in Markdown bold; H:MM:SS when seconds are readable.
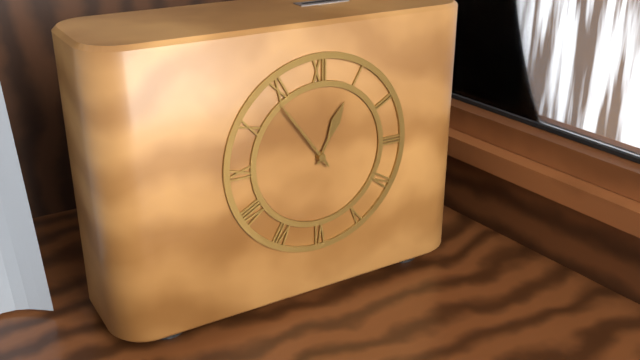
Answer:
**12:54**
